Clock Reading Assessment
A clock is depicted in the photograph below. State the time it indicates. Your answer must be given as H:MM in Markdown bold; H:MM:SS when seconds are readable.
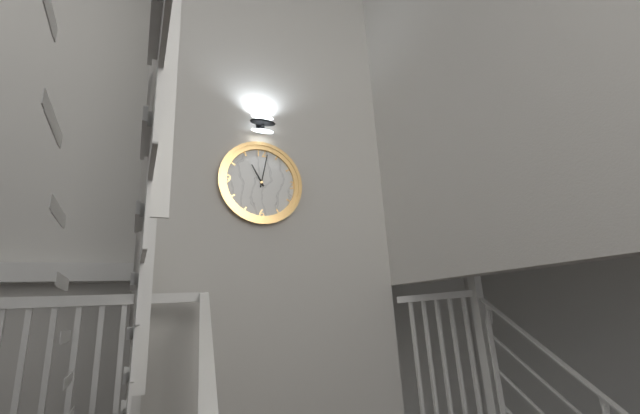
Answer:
**11:02**
